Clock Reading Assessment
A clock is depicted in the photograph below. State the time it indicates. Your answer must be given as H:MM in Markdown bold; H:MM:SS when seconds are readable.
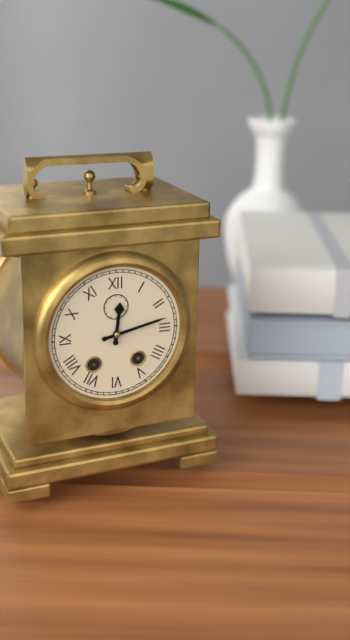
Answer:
**12:13**
